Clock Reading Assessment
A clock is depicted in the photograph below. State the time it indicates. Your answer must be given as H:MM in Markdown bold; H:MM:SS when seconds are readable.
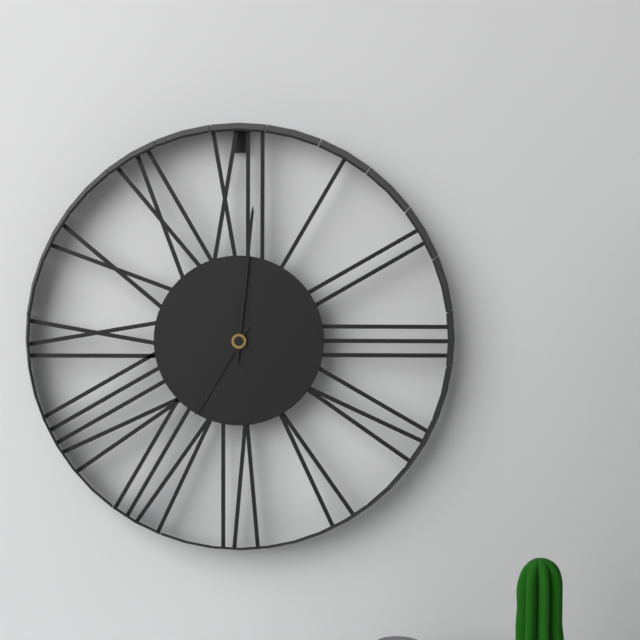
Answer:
**7:01**
